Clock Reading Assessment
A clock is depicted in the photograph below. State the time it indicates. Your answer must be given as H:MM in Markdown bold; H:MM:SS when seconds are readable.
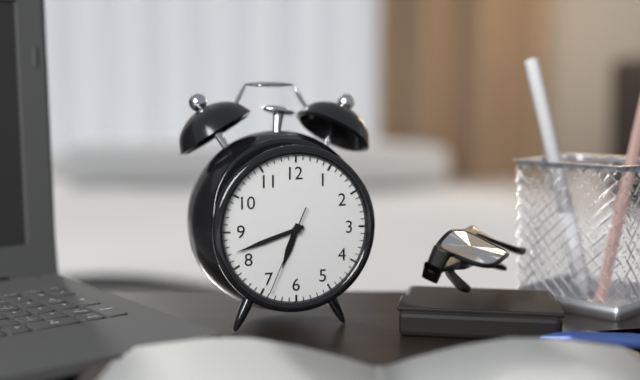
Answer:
**6:42:34**
